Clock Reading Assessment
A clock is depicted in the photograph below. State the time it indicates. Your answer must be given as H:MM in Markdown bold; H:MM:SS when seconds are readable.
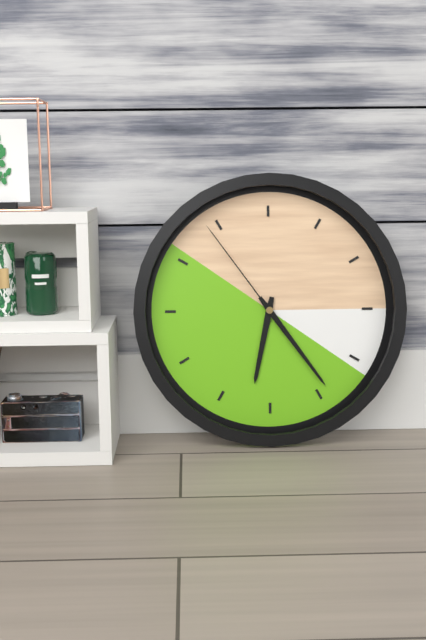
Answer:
**6:24:54**
